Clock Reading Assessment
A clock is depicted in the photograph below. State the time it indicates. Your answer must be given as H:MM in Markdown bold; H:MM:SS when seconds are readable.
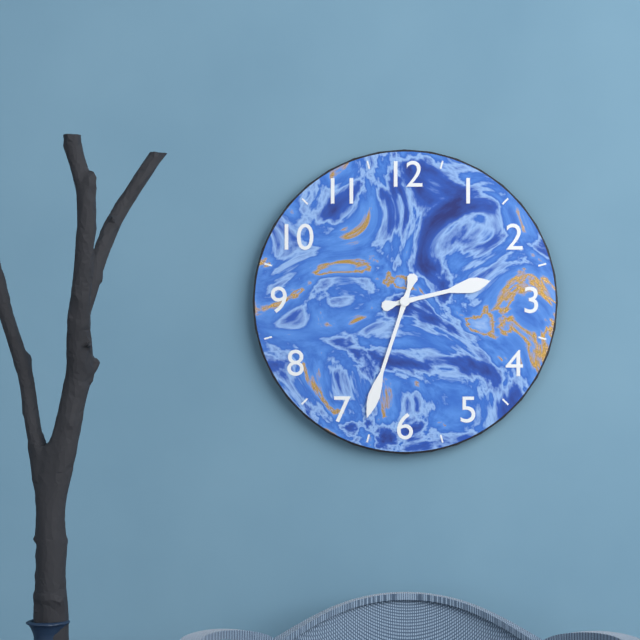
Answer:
**2:33**
